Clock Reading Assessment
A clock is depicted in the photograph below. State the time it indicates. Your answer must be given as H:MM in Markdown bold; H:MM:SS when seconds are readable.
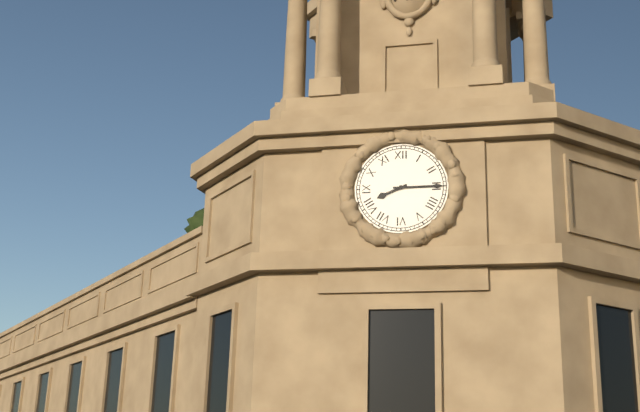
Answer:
**8:15**
